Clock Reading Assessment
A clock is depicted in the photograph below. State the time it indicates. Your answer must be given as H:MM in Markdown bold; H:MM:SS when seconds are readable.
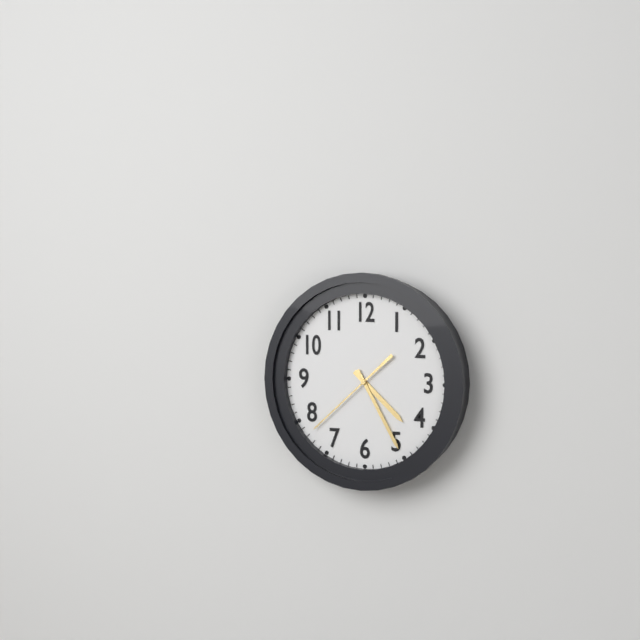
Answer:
**4:25:38**
